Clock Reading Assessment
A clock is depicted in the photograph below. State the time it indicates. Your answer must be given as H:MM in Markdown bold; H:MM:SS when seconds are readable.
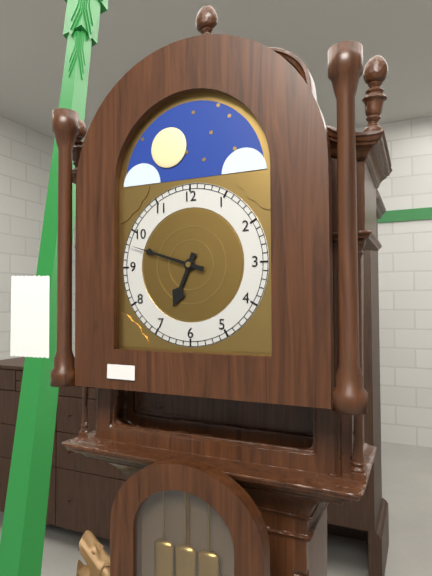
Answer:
**6:48**
